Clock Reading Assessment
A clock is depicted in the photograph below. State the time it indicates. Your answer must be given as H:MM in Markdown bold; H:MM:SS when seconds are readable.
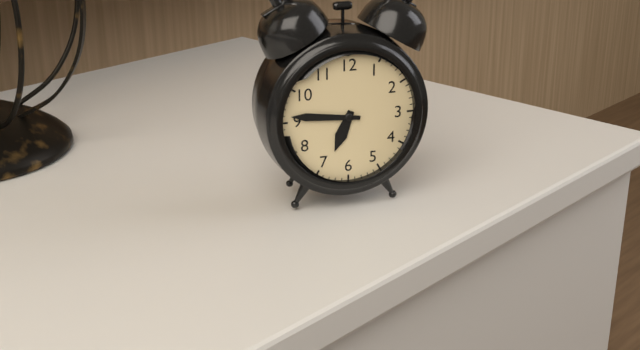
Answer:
**6:46**
